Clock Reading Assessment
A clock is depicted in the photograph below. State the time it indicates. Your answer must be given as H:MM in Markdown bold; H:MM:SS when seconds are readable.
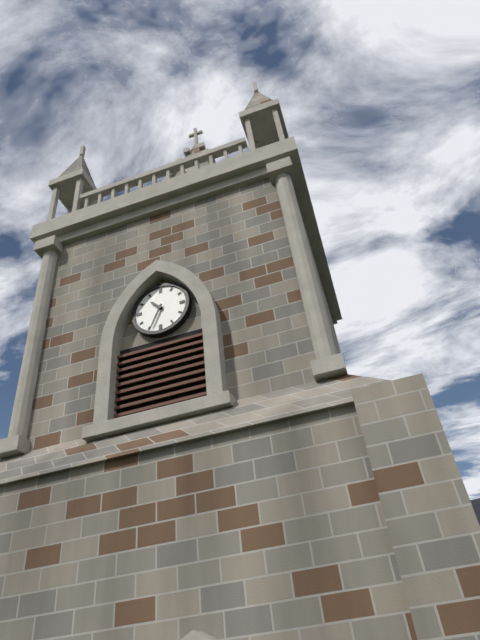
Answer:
**10:34**
